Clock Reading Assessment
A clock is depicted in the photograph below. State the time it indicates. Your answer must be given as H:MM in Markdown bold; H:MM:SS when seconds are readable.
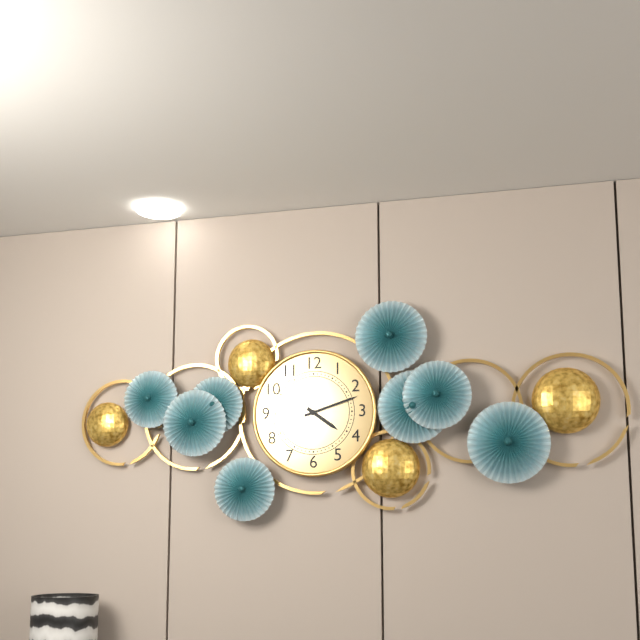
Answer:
**4:12**
